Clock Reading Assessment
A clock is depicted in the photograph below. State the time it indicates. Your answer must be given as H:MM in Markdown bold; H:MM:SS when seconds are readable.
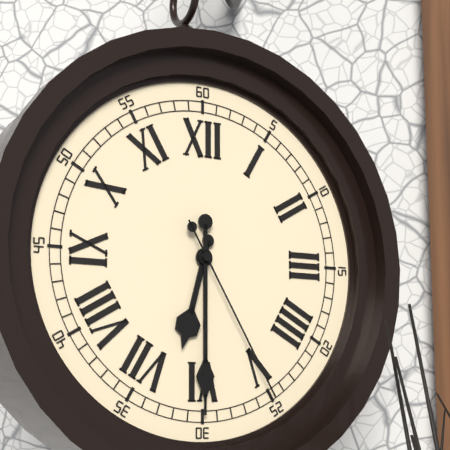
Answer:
**6:30:25**
